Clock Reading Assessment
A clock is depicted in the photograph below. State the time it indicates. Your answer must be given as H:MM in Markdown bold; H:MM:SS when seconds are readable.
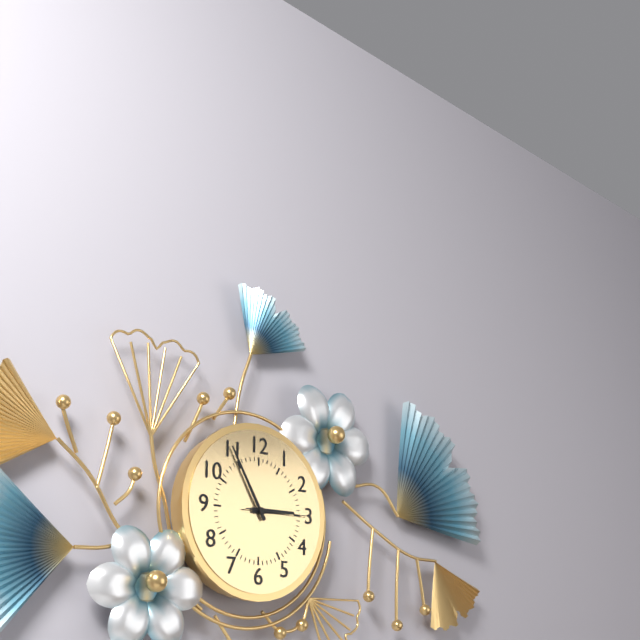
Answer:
**2:55:15**
